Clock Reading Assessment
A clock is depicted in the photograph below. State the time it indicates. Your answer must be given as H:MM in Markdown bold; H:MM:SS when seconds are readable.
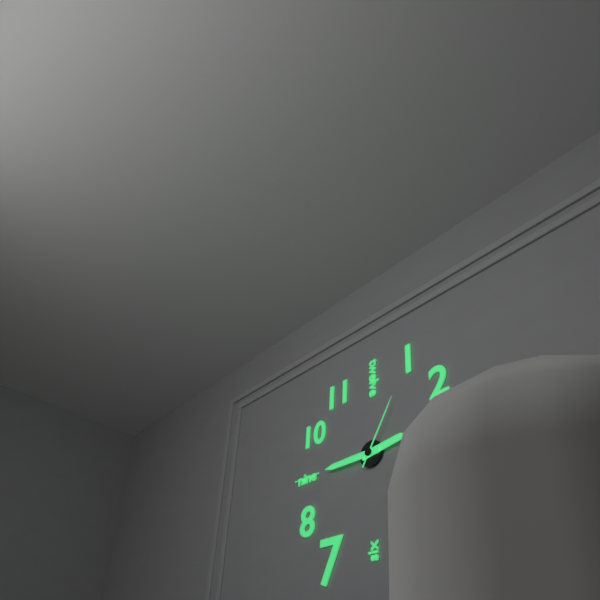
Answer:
**2:45:05**
